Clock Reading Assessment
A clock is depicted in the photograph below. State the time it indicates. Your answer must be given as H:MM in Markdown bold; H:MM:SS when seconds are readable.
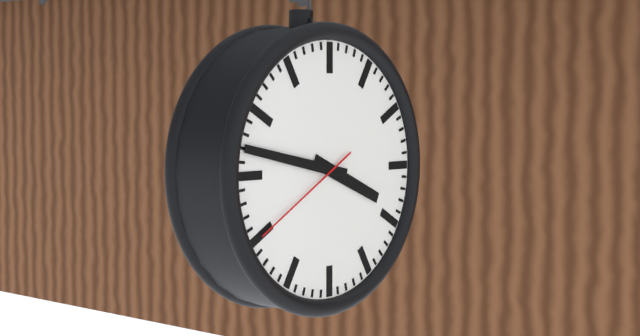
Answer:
**3:47:40**
